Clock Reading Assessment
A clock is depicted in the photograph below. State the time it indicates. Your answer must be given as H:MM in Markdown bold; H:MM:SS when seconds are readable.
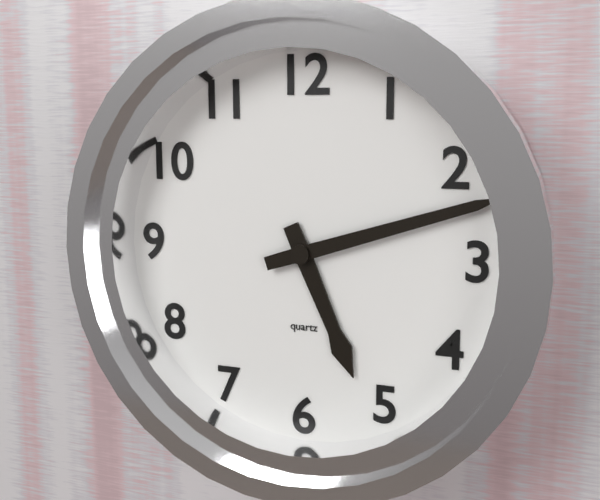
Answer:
**5:12**
